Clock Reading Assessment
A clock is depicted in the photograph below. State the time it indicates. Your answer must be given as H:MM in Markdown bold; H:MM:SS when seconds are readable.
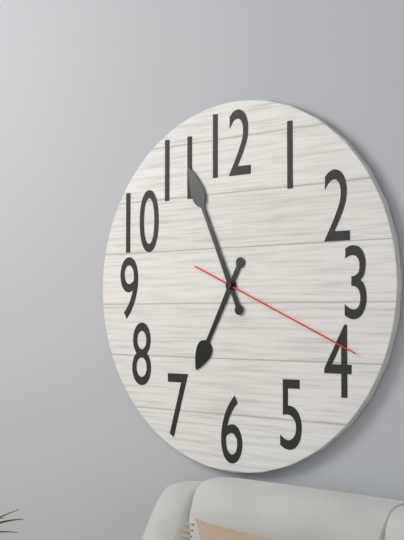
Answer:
**6:56:19**
